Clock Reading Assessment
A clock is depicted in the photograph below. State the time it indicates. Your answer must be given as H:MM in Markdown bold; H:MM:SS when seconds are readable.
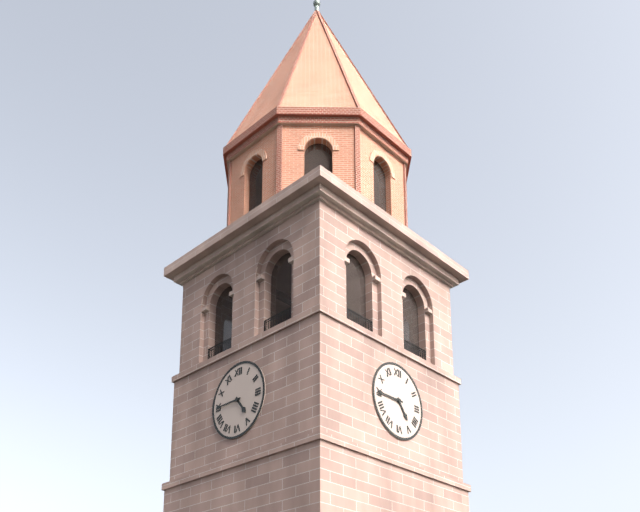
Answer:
**4:45**
